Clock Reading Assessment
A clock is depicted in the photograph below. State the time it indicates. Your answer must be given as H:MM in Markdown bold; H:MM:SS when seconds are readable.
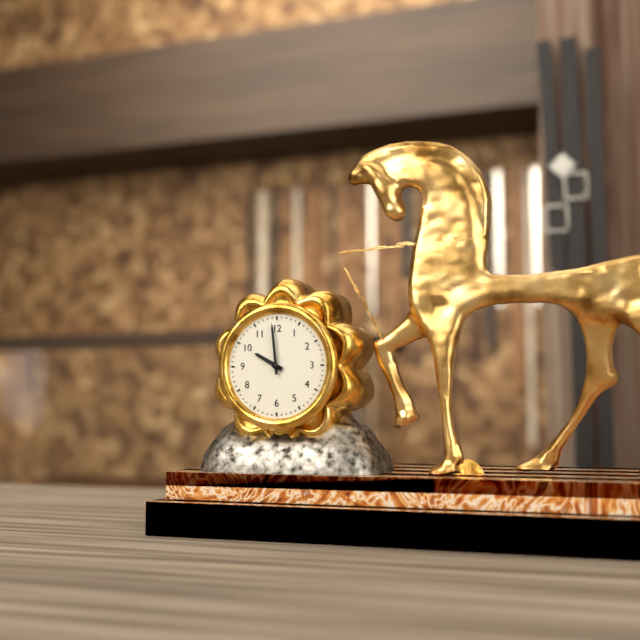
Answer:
**9:59**
